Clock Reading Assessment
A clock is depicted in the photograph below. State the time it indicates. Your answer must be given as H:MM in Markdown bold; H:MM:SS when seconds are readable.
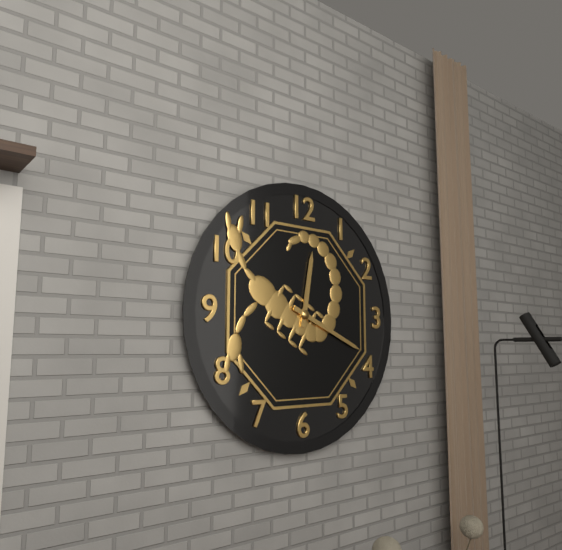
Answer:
**12:19**
